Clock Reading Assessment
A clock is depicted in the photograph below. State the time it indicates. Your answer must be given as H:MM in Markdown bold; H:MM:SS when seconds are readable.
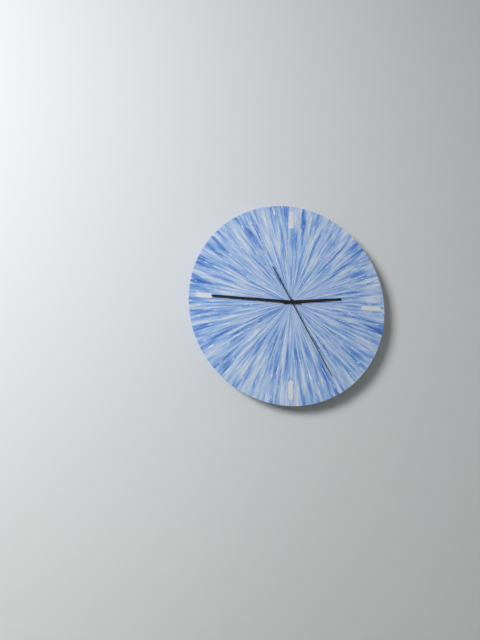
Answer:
**2:45:25**
